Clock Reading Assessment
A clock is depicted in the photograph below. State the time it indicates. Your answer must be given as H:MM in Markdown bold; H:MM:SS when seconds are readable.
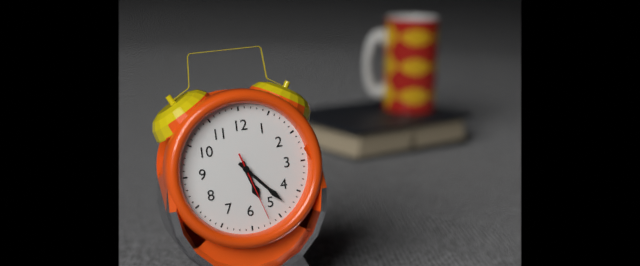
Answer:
**5:23:27**
